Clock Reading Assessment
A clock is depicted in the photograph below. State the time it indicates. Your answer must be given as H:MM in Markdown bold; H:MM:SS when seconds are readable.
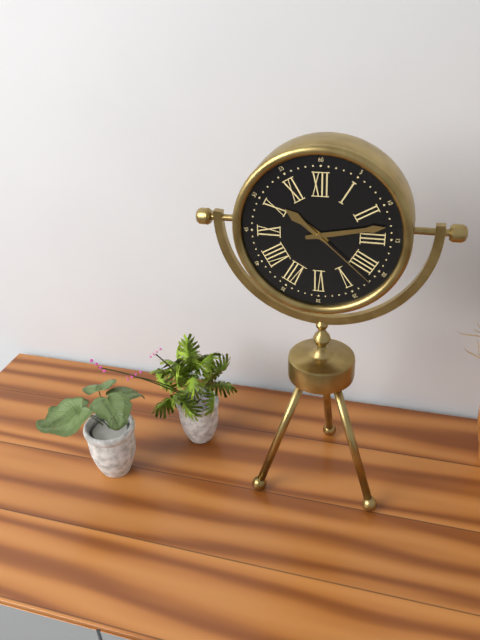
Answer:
**10:13:22**
